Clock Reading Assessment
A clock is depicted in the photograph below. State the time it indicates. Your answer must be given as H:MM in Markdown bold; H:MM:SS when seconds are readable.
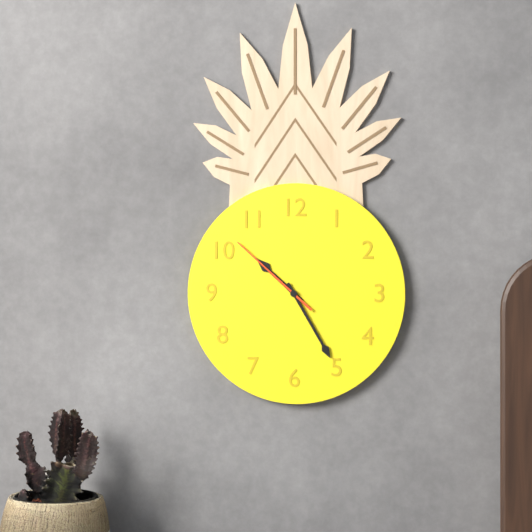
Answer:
**10:25:52**
